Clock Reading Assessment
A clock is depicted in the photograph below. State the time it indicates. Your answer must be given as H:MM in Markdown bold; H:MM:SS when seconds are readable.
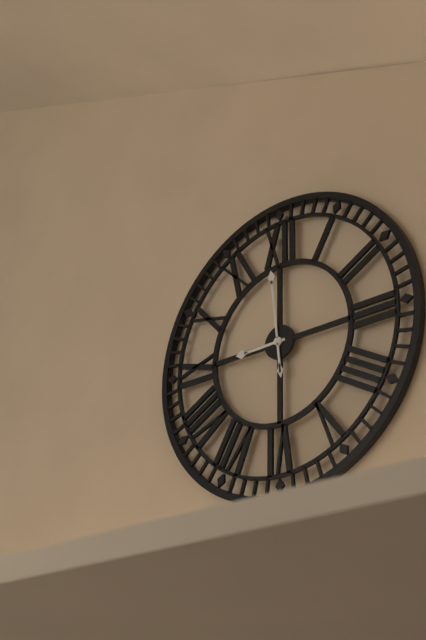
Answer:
**8:59**
